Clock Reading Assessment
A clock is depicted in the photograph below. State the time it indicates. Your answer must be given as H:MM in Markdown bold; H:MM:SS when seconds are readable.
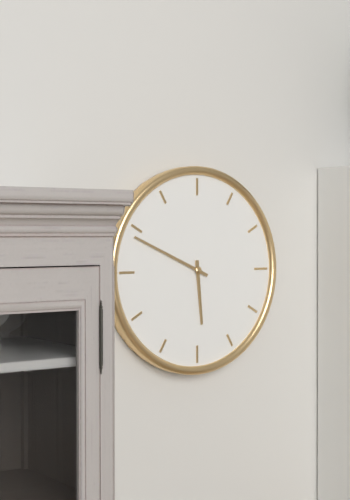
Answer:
**5:49**
